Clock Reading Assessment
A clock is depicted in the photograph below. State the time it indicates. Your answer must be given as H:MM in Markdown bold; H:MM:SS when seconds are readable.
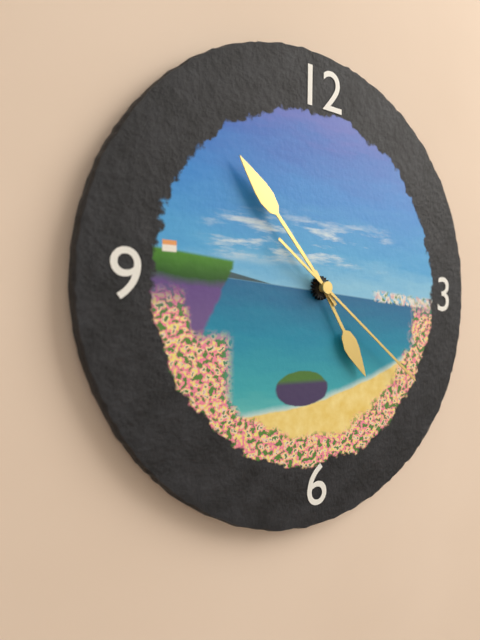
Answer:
**4:53:21**
